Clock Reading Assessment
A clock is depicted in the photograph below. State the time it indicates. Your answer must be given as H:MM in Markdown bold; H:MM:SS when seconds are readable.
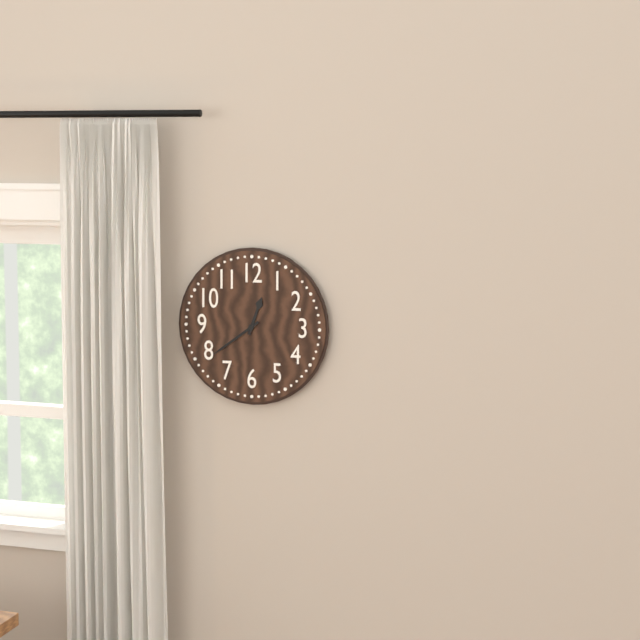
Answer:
**12:39**
